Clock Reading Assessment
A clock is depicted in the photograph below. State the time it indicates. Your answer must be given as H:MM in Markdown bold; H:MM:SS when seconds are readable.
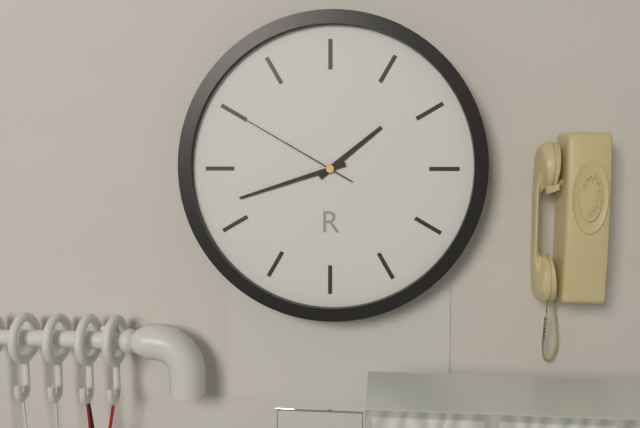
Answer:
**1:42:50**
